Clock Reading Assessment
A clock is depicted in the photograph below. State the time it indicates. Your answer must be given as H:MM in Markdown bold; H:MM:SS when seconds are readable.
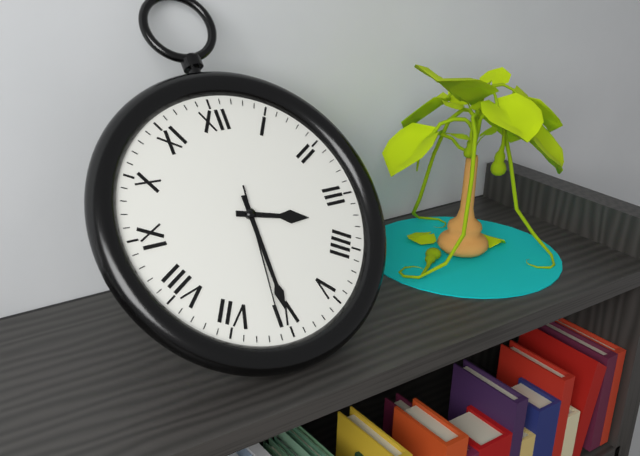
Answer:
**3:30:31**
